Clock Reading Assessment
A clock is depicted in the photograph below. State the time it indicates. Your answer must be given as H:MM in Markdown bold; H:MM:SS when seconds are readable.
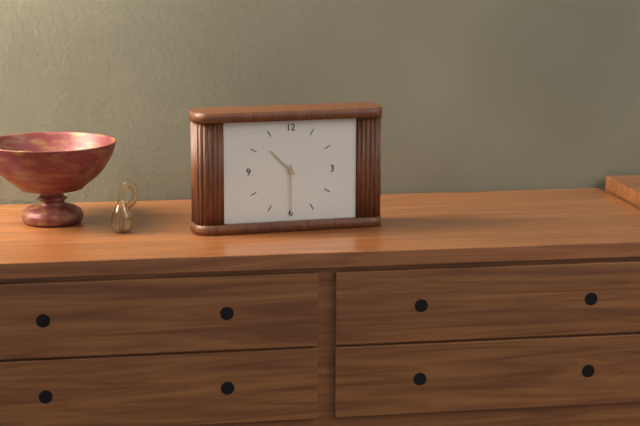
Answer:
**10:30**
